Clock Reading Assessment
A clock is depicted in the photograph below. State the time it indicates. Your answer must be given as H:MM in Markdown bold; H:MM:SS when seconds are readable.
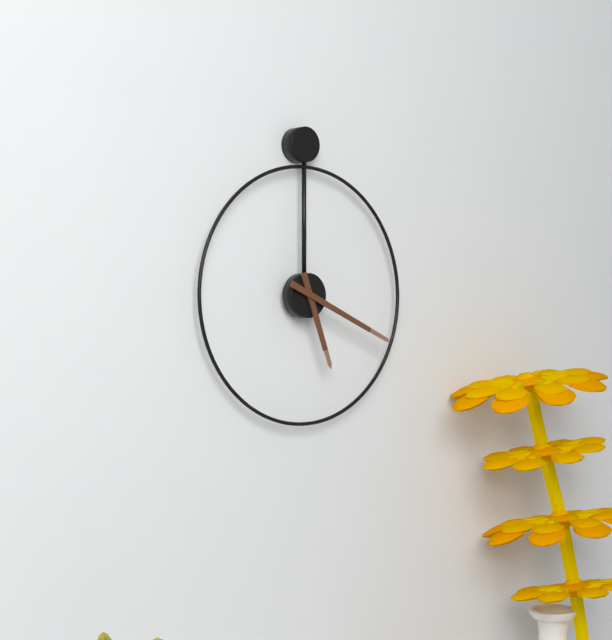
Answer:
**5:19**
